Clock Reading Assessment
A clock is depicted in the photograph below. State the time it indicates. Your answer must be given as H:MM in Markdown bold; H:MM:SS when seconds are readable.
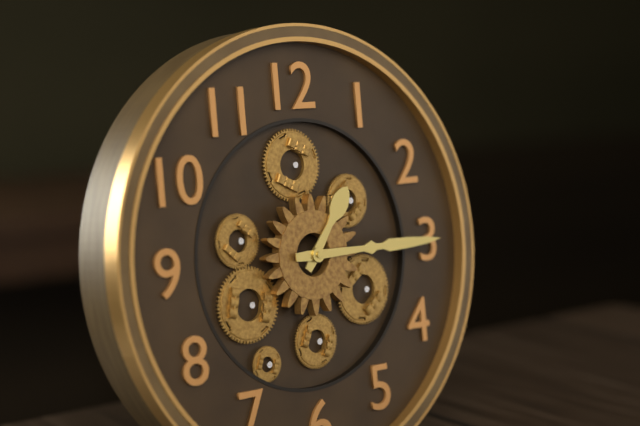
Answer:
**1:15**
